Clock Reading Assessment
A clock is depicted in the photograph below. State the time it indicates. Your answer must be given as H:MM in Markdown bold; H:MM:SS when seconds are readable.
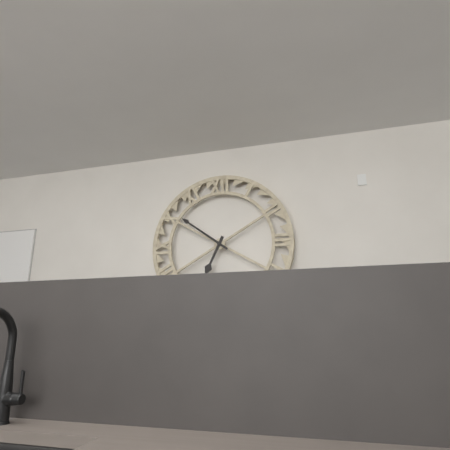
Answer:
**6:51**
